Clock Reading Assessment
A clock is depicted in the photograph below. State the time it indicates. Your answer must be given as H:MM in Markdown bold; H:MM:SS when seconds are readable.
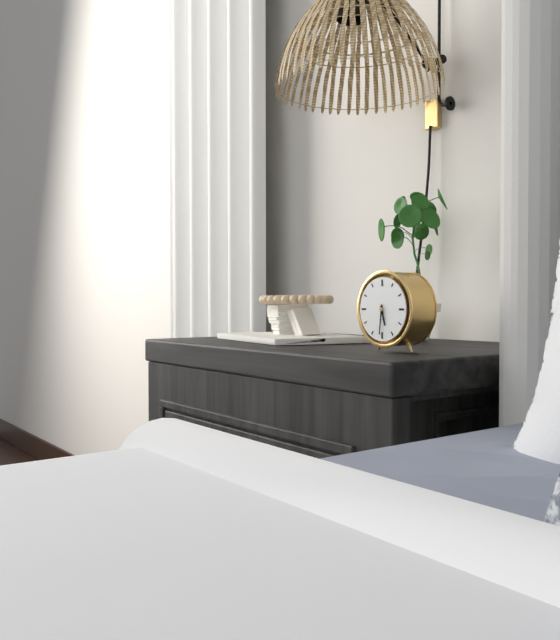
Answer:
**5:31**
